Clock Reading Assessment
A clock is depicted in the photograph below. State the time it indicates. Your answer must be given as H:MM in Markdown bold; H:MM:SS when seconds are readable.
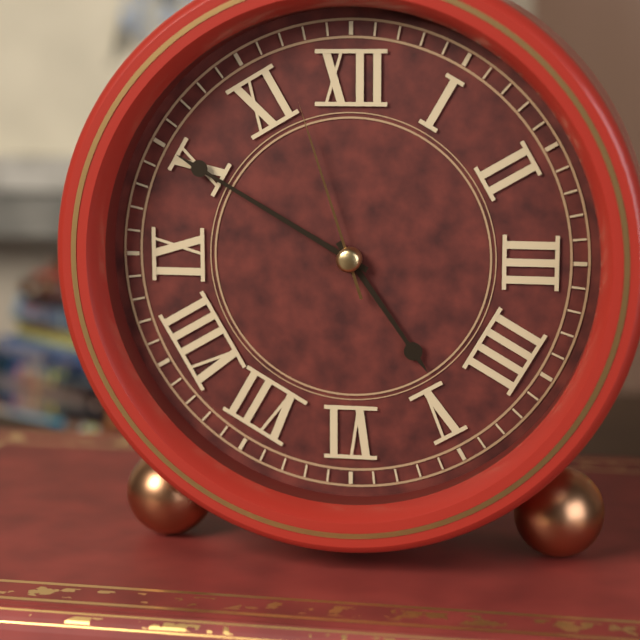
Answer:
**4:50:57**
